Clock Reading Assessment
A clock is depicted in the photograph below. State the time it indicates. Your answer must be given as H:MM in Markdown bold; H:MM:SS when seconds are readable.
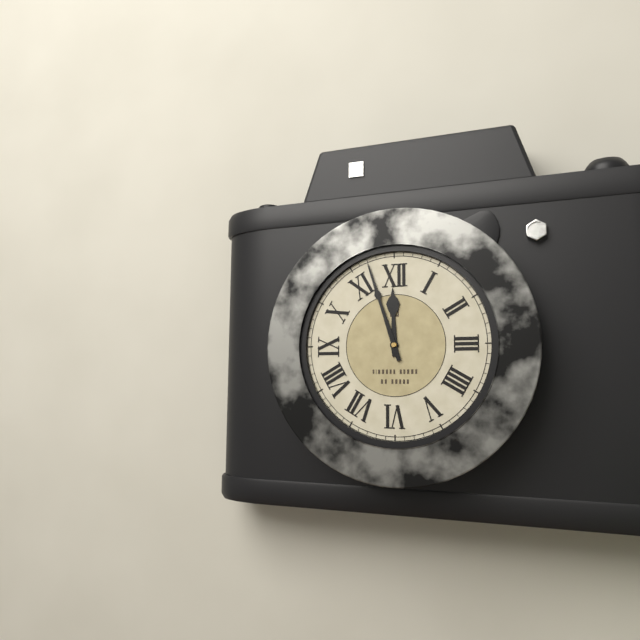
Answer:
**11:57**
